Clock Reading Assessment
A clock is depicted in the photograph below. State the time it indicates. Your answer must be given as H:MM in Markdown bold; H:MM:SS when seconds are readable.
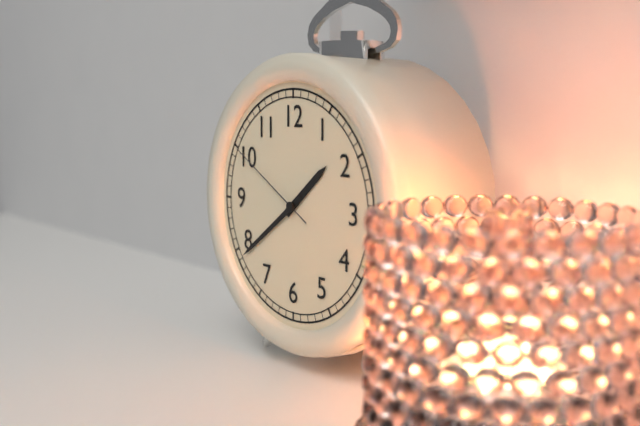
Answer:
**1:39:50**
